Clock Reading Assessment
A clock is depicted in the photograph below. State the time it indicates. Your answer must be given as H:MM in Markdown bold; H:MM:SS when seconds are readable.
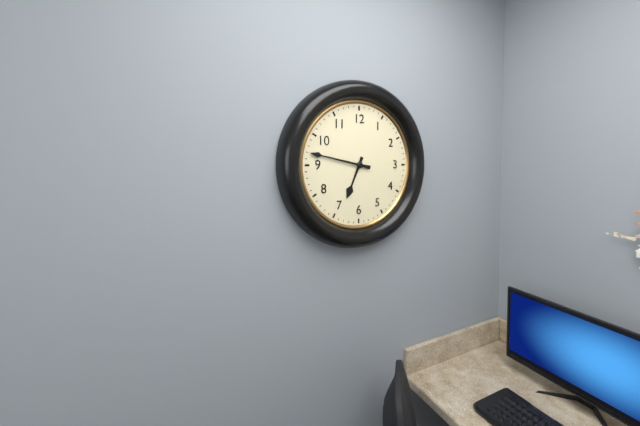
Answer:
**6:47**
